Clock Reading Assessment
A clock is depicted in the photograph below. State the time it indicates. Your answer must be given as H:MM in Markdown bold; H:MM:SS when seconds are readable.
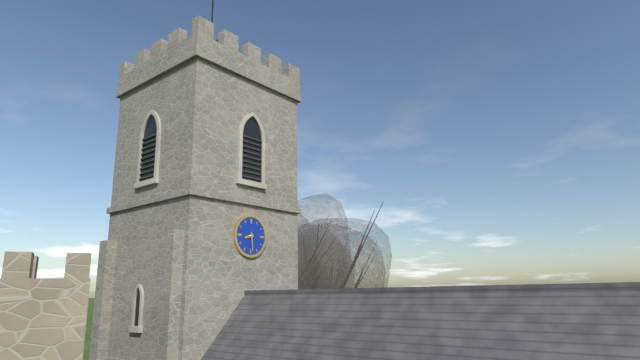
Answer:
**8:29**
